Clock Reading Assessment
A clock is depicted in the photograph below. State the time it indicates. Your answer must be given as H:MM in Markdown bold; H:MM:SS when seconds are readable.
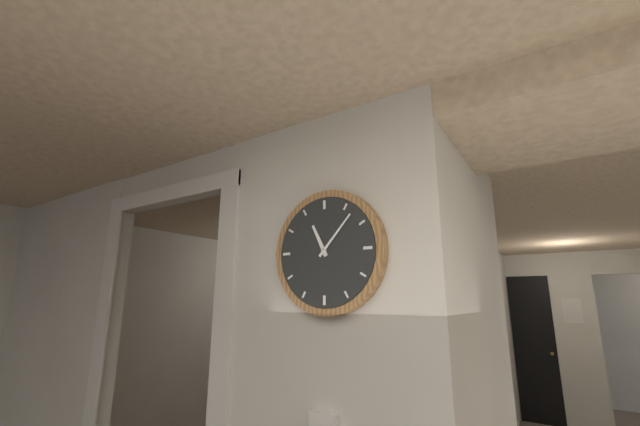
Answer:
**11:07**
